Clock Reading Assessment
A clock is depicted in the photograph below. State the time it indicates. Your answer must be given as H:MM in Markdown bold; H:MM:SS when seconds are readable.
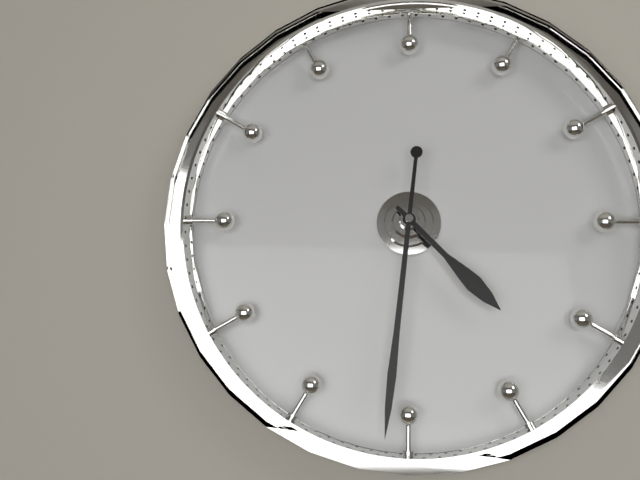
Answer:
**4:31**
